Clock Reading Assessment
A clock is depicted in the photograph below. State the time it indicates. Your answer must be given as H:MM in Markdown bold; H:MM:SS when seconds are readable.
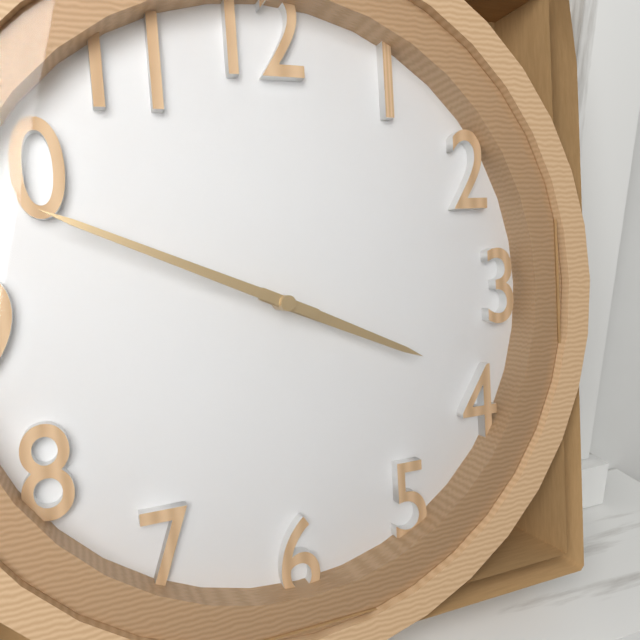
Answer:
**3:49**
